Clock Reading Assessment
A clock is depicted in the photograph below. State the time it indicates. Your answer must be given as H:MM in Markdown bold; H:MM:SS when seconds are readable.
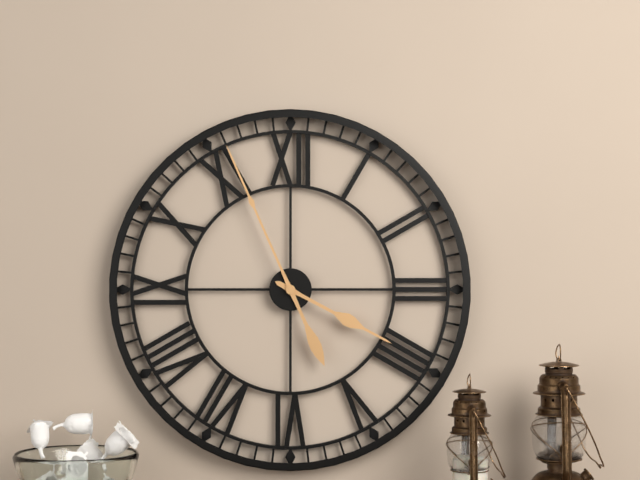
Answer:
**3:56**
